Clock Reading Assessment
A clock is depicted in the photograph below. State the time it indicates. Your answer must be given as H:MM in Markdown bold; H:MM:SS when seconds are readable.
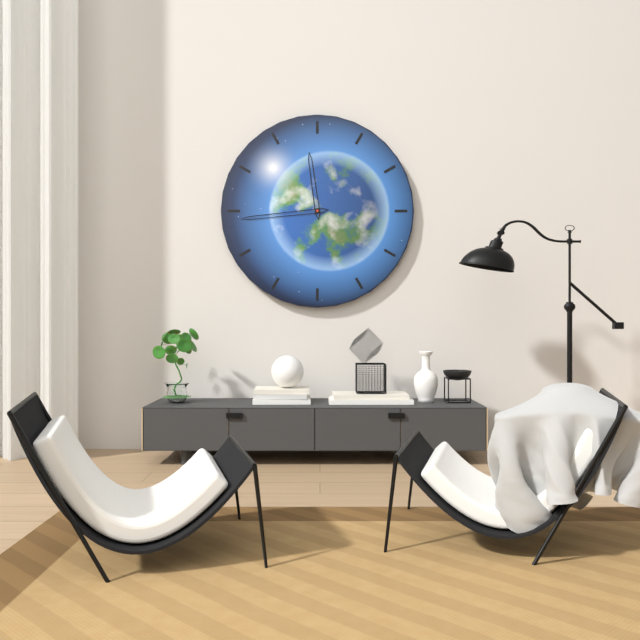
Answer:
**11:44**
